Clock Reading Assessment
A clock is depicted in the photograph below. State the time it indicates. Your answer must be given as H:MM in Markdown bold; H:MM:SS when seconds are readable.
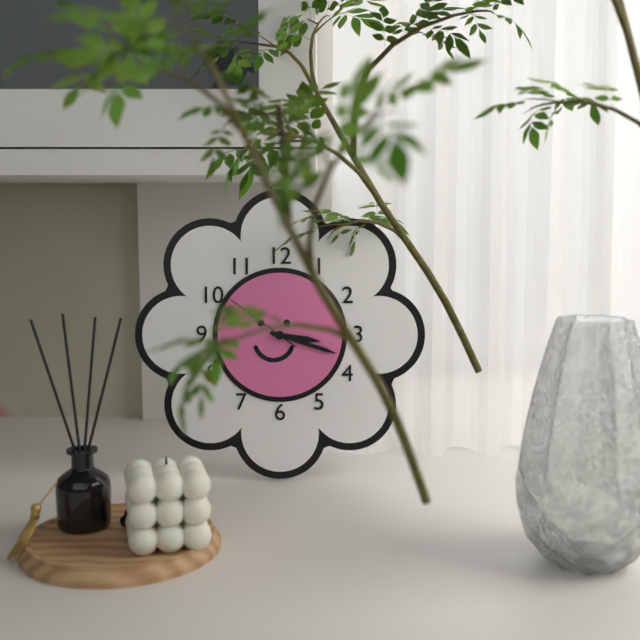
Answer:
**3:18:51**
